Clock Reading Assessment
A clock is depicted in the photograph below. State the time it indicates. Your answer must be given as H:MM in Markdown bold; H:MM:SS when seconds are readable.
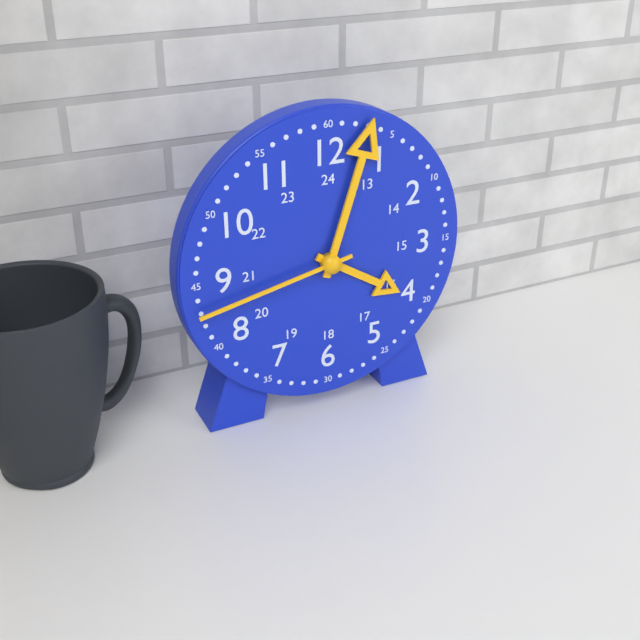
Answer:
**4:03:43**
